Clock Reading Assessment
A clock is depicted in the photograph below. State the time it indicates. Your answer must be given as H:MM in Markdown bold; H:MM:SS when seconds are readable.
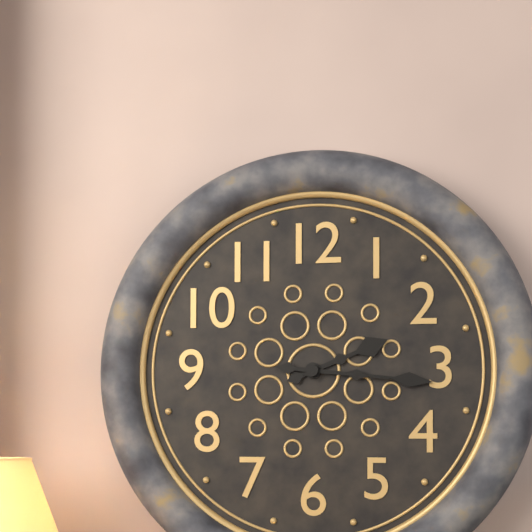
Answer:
**2:16**
